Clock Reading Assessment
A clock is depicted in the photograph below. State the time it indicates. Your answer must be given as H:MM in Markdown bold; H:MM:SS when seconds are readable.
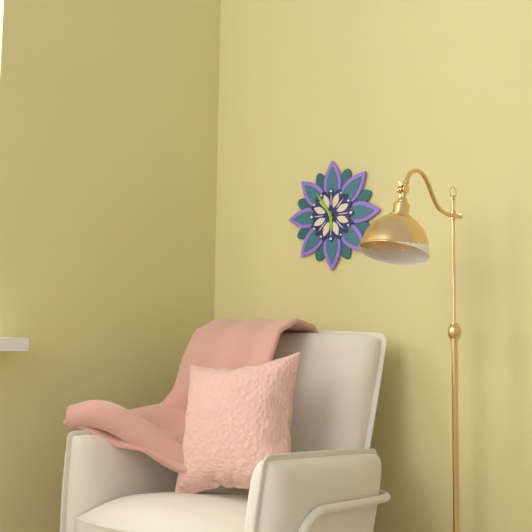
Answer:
**5:54**
